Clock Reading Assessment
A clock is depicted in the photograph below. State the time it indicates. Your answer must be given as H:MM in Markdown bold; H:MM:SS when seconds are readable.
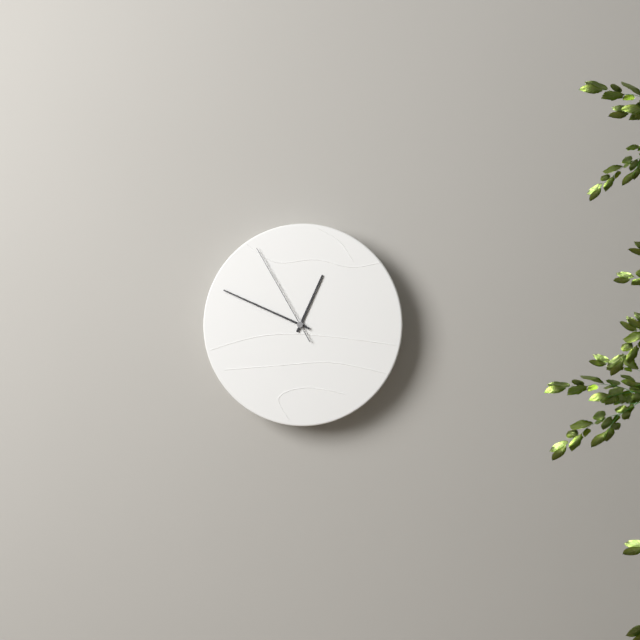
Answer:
**12:49:55**
